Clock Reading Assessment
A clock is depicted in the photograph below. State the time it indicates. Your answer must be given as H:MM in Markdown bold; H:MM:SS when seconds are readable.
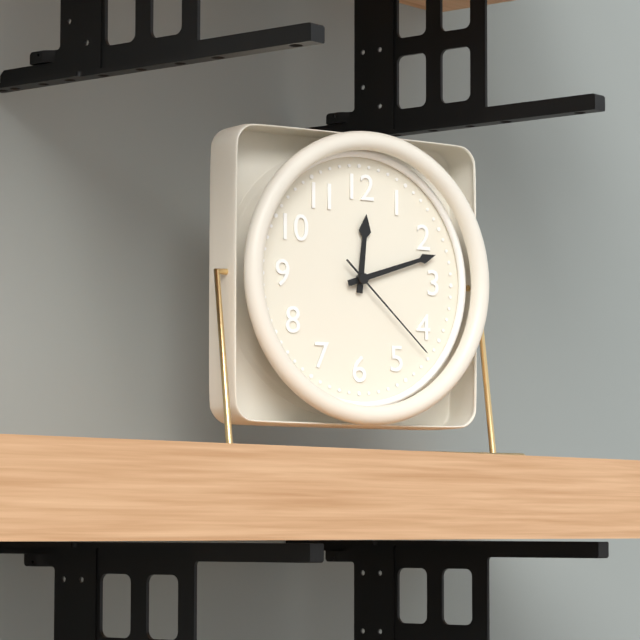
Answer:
**12:12:22**
